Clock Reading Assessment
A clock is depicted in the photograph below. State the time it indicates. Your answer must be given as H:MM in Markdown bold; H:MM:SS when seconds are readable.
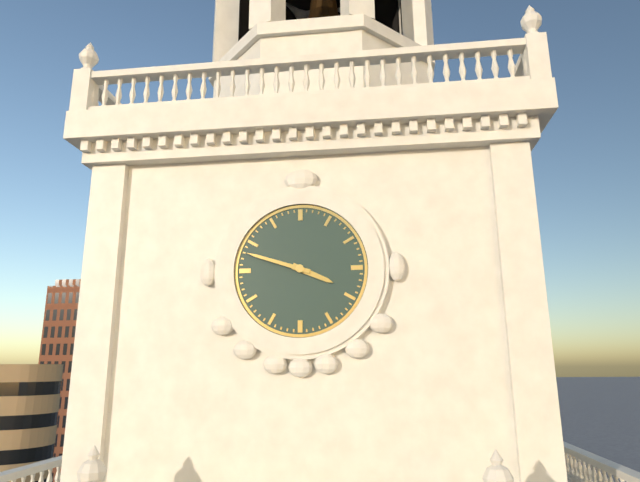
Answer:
**3:48**
